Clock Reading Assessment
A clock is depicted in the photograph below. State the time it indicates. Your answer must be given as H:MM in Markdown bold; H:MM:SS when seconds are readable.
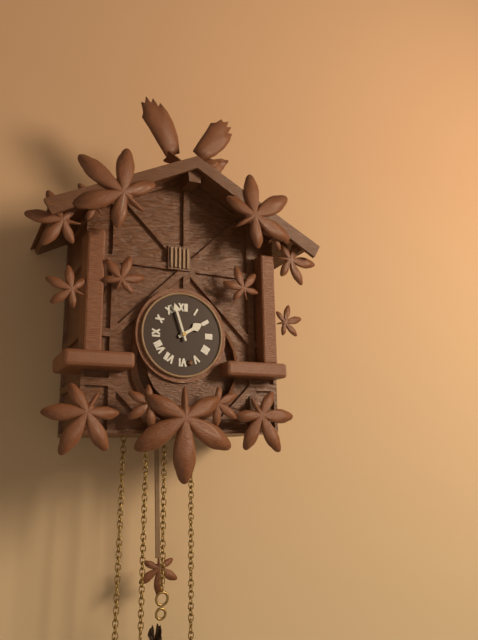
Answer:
**1:57**
